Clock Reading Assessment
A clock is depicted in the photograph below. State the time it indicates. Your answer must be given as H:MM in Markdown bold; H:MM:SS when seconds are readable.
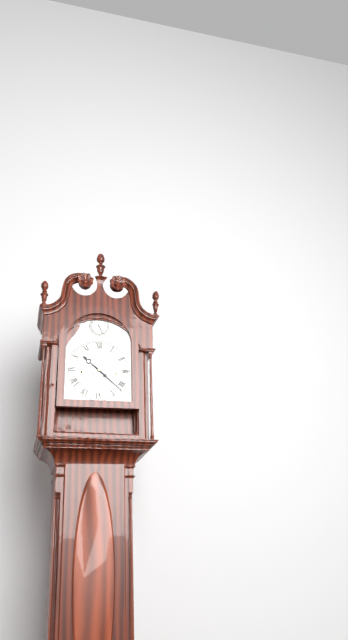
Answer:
**10:22**
